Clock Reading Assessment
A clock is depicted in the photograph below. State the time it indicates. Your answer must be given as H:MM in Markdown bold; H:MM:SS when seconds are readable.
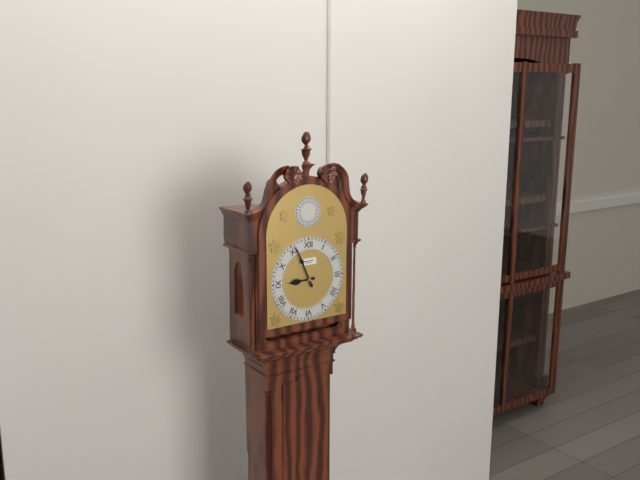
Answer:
**8:56**
